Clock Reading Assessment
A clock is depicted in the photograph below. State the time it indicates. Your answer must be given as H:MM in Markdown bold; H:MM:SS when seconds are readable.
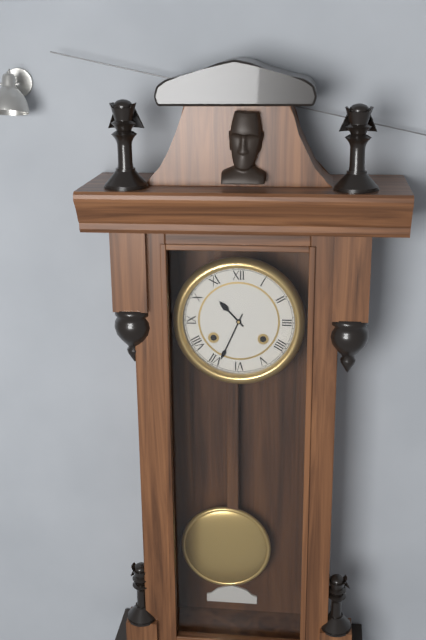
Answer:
**10:34**
